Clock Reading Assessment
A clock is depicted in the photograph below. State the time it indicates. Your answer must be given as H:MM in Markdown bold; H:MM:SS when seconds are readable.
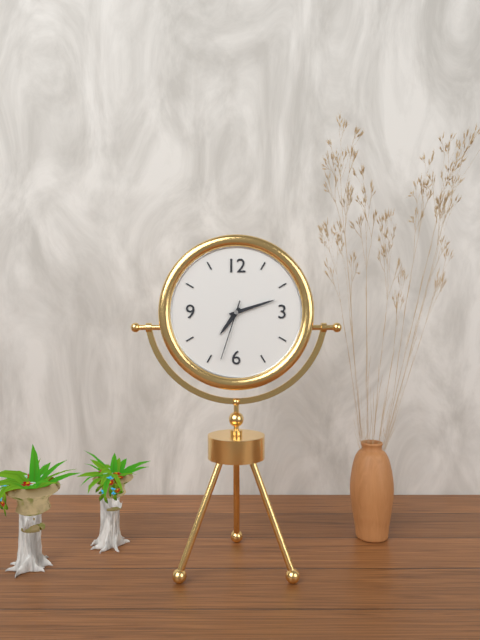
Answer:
**7:12:33**
